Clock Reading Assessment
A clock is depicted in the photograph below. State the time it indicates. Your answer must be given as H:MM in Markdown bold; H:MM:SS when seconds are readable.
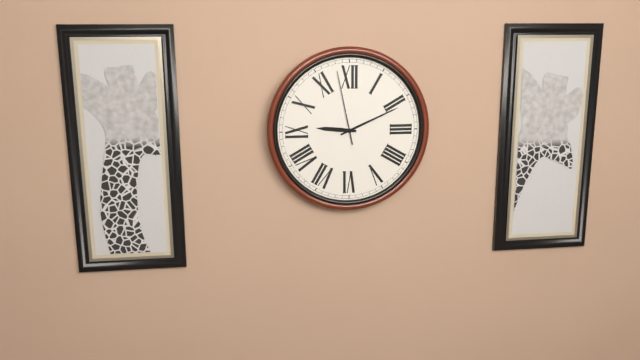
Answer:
**9:11:58**
